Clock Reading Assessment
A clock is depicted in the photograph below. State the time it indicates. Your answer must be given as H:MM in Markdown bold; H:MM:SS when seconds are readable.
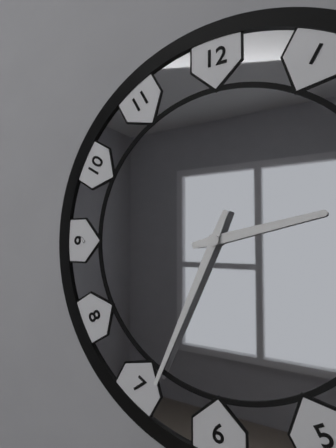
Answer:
**2:34**
